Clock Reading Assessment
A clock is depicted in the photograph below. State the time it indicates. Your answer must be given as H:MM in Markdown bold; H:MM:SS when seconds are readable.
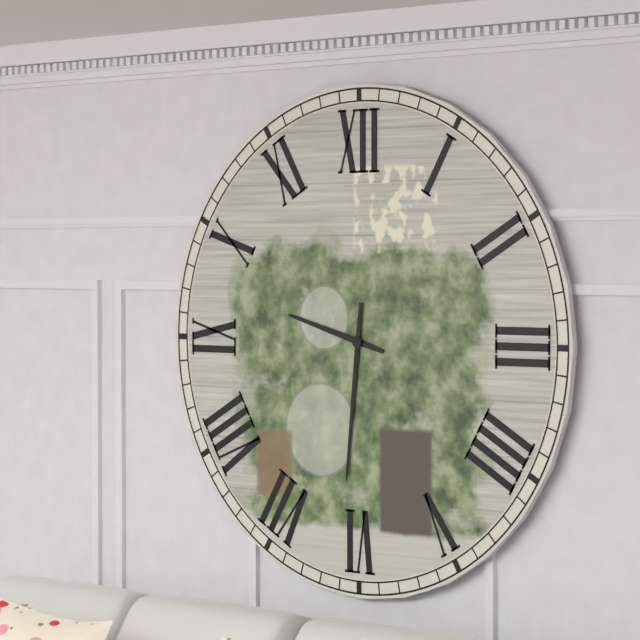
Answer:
**9:31**
